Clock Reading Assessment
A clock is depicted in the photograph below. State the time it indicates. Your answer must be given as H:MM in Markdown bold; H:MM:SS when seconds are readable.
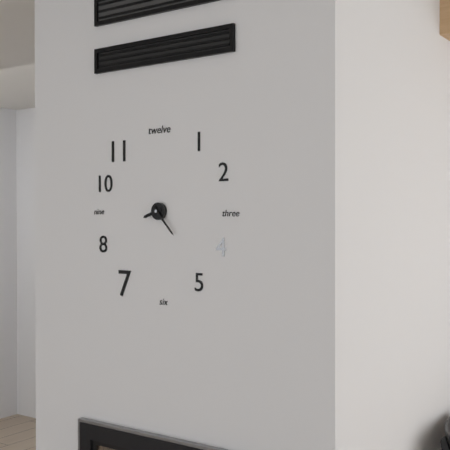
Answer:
**8:23**
